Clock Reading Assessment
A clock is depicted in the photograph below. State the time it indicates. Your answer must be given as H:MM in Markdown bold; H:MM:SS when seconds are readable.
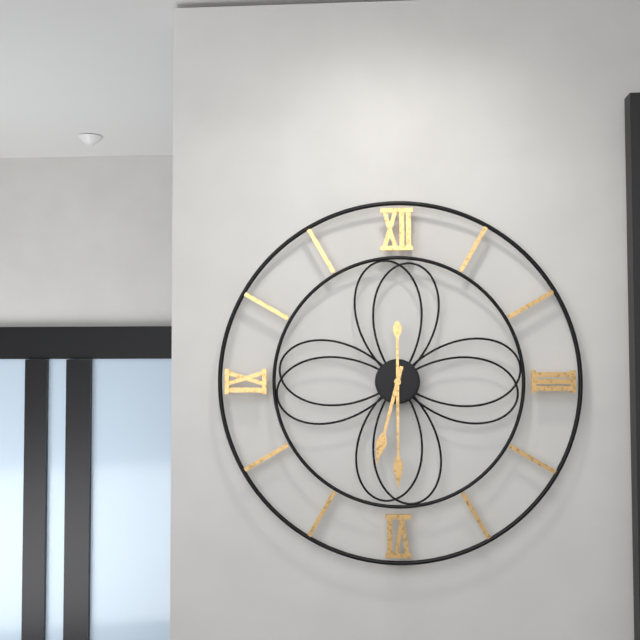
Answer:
**6:30**
